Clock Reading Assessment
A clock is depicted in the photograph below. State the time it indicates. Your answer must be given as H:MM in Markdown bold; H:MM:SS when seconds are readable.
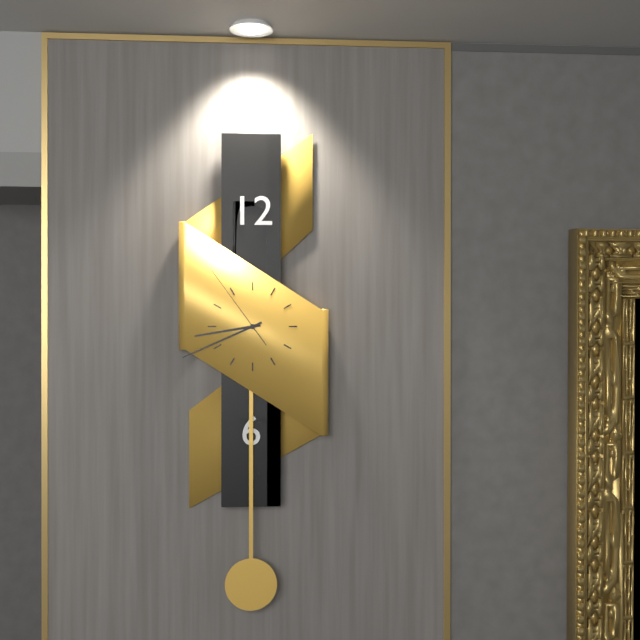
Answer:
**8:41:54**
